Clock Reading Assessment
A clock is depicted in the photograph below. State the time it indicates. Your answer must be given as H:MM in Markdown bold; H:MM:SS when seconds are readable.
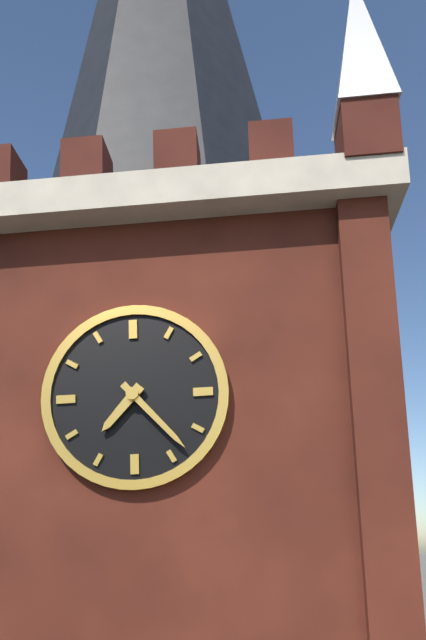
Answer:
**7:23**
